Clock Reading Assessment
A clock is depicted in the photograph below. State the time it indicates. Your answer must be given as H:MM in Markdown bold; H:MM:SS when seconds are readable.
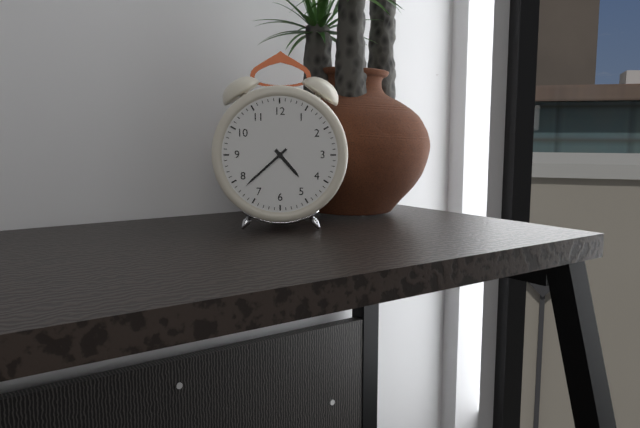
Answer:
**4:38**
